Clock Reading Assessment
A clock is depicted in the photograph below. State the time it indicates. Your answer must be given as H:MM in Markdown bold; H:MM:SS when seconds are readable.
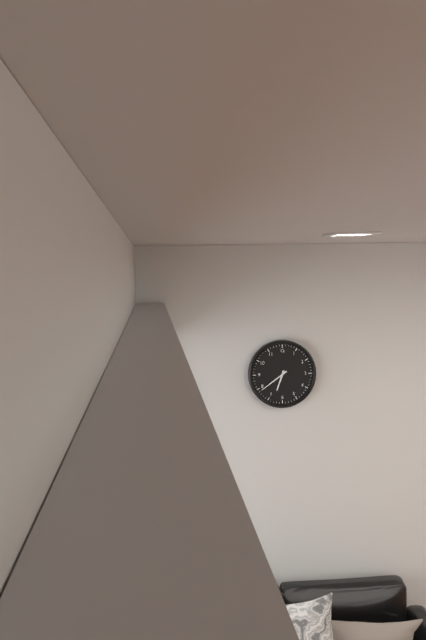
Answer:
**6:39**
